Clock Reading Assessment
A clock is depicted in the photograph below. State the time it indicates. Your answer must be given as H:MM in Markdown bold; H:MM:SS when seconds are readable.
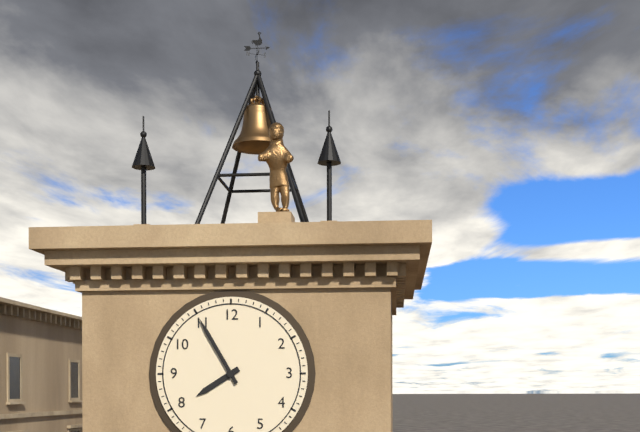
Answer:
**7:55**
